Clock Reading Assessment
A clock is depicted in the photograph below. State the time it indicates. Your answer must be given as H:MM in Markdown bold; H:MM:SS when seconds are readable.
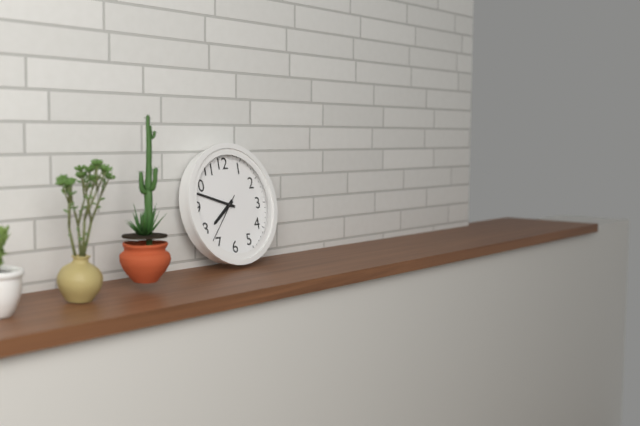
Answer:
**7:48:37**
